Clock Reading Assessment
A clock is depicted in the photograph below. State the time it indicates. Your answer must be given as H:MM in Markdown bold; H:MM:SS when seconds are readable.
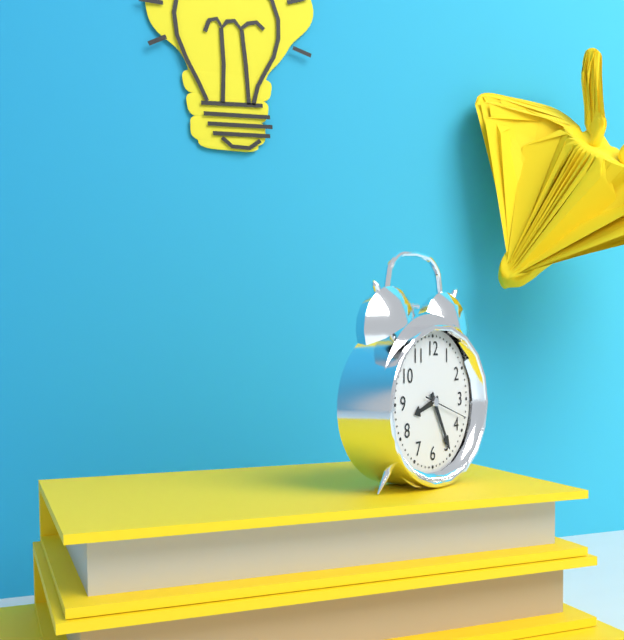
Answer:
**8:25**
